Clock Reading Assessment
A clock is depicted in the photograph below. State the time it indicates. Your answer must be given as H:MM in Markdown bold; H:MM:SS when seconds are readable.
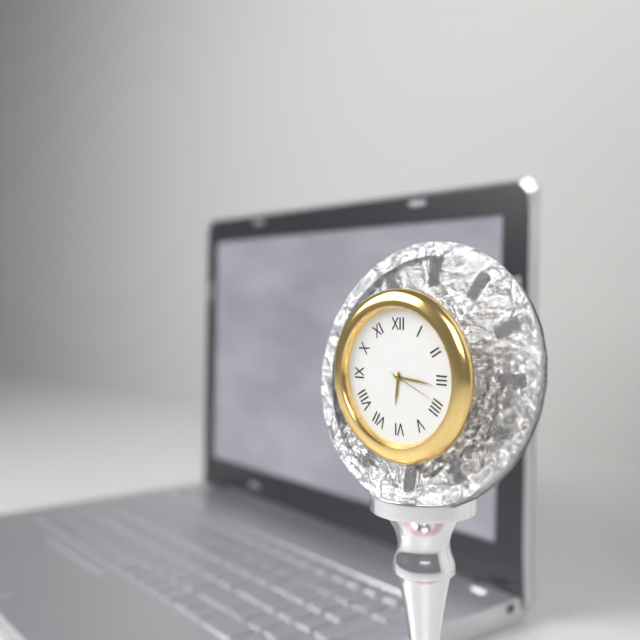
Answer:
**6:16:19**
